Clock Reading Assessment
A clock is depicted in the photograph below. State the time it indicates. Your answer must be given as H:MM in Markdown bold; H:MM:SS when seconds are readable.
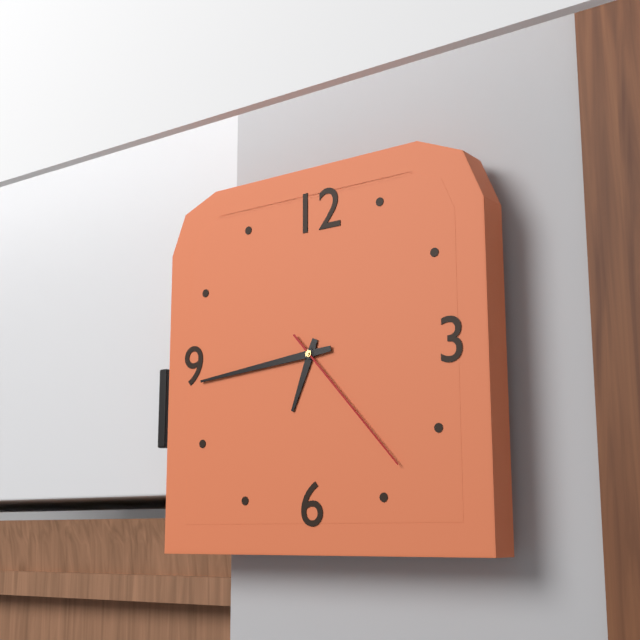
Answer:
**6:44:23**
